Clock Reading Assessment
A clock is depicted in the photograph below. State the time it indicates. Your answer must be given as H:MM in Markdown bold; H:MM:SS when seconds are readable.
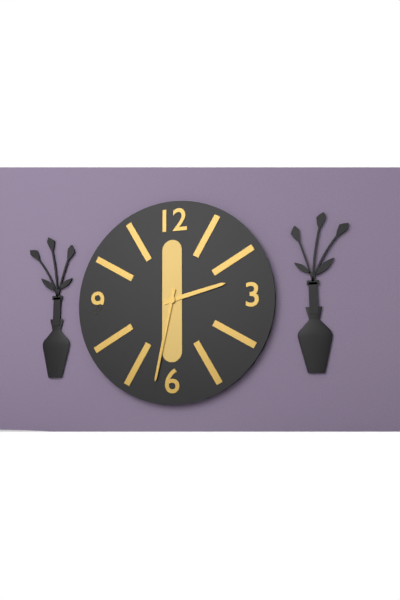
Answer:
**2:32**
